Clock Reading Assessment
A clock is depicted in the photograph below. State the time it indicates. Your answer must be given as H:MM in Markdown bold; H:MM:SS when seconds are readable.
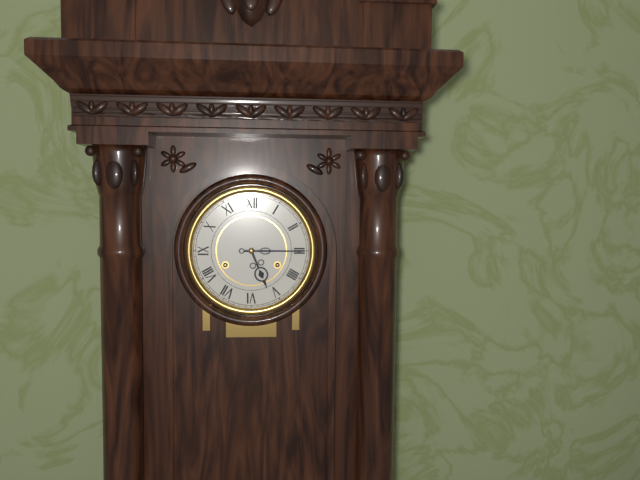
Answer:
**5:15**
